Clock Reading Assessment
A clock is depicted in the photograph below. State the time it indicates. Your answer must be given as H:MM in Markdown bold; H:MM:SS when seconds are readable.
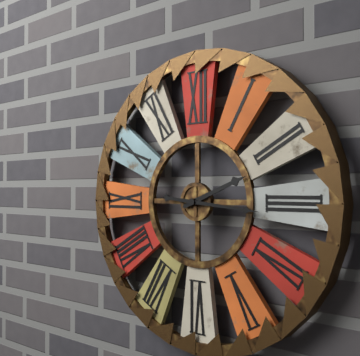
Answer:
**2:16**
